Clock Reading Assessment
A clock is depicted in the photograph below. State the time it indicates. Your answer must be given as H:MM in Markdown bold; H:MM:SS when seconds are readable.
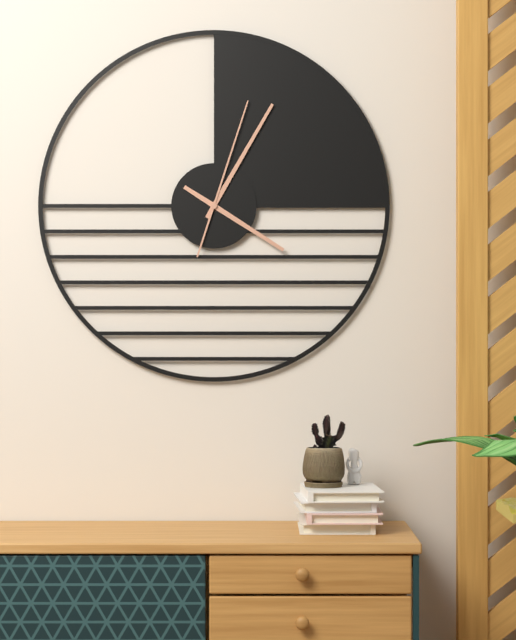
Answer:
**4:05:03**
